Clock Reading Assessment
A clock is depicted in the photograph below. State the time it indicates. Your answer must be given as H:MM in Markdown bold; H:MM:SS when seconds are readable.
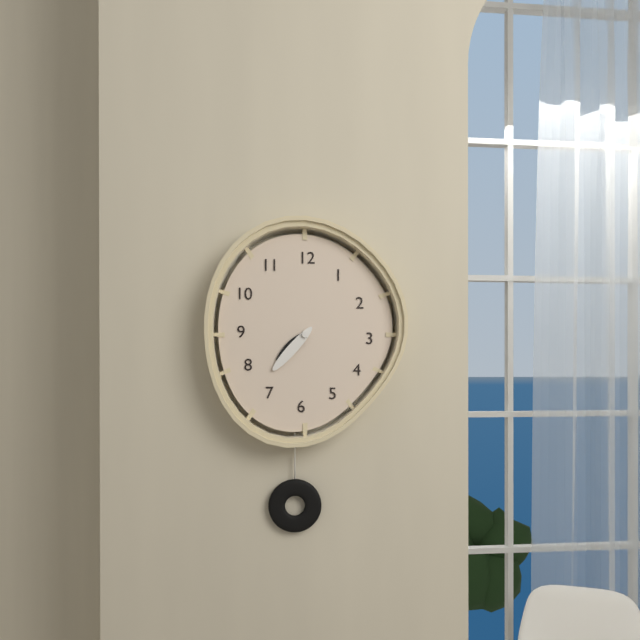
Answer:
**7:37**
